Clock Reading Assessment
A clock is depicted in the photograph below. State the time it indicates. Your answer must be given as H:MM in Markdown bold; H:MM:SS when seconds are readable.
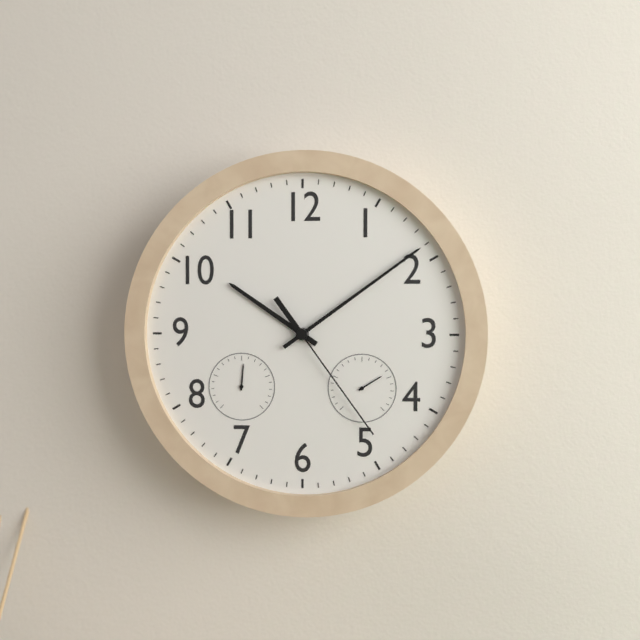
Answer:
**10:09:24**
